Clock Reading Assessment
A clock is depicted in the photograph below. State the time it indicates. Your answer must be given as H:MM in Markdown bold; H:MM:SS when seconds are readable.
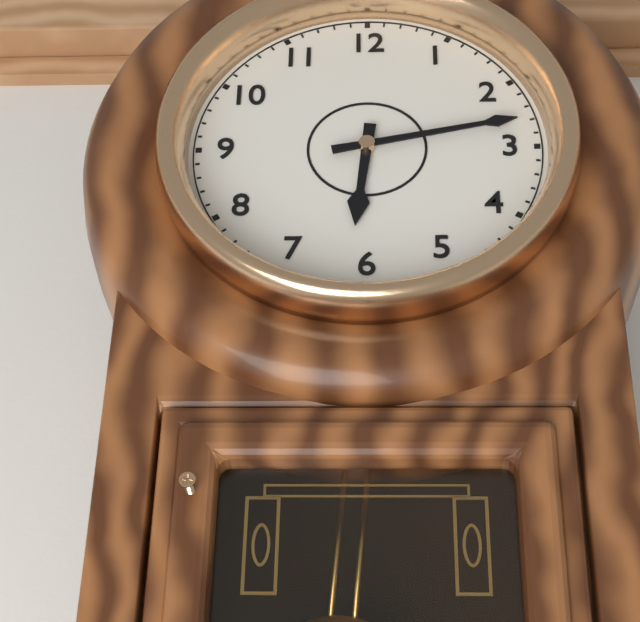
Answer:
**6:13**
